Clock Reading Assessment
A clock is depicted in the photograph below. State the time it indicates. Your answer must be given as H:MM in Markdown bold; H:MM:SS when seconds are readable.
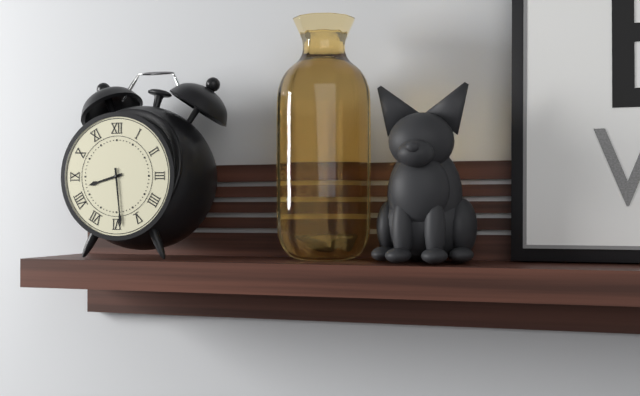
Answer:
**8:29**
